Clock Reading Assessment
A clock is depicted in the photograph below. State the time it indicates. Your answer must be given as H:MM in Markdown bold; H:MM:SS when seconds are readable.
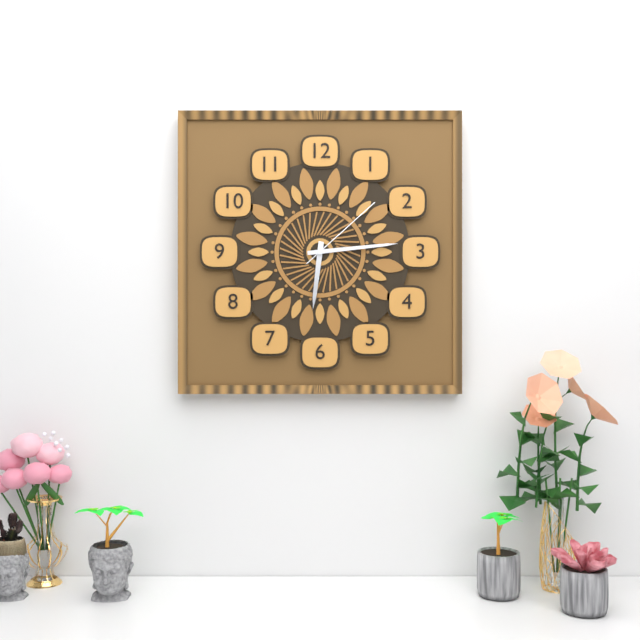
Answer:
**6:14:08**
